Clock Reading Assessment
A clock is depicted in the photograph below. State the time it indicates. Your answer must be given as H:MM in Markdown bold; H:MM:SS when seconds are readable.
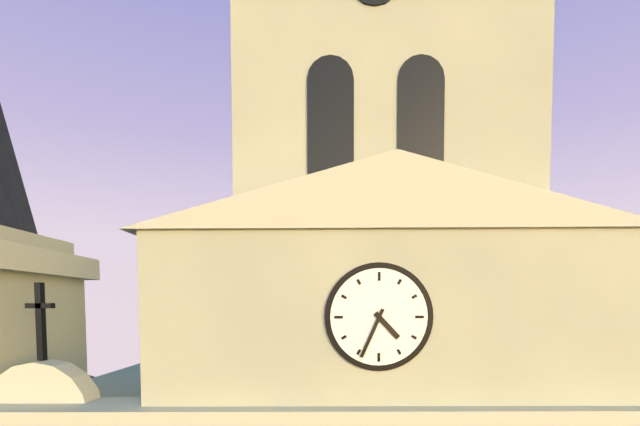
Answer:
**4:34**
